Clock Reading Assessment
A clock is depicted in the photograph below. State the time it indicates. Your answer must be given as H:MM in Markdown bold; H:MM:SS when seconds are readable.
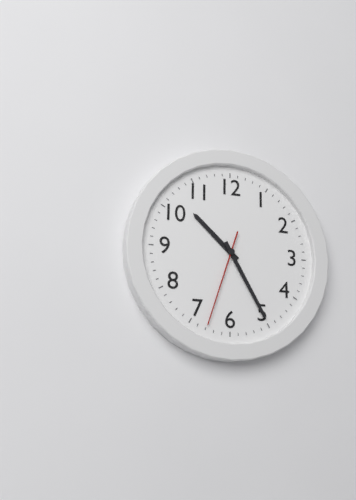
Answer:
**10:25:33**
